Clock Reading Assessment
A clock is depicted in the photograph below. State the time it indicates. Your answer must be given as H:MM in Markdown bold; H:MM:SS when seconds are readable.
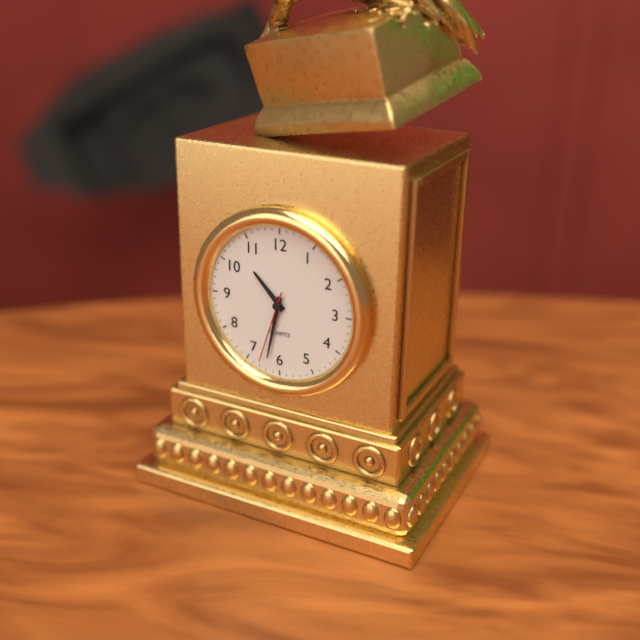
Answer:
**10:32:33**
